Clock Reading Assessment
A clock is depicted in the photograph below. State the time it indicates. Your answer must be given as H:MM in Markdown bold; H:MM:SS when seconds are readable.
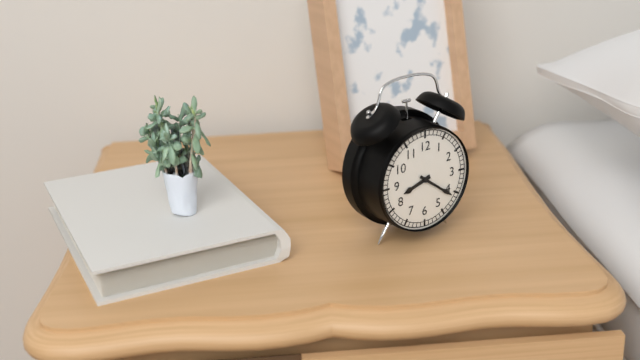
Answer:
**8:21**
